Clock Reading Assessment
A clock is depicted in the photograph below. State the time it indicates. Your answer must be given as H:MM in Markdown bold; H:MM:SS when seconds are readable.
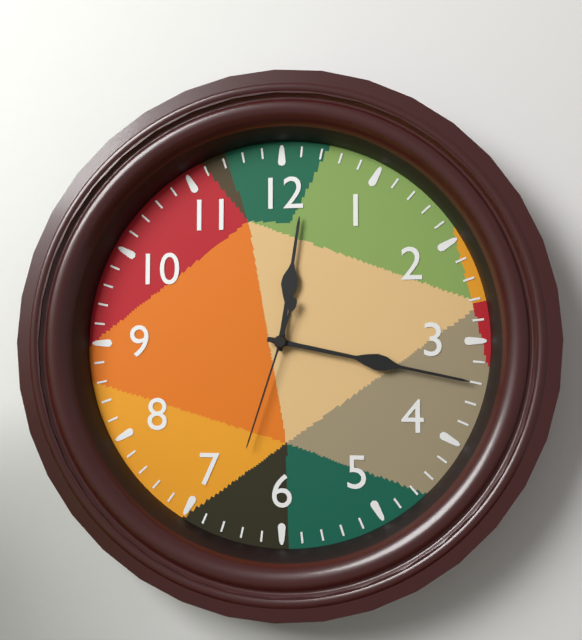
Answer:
**12:17:33**
